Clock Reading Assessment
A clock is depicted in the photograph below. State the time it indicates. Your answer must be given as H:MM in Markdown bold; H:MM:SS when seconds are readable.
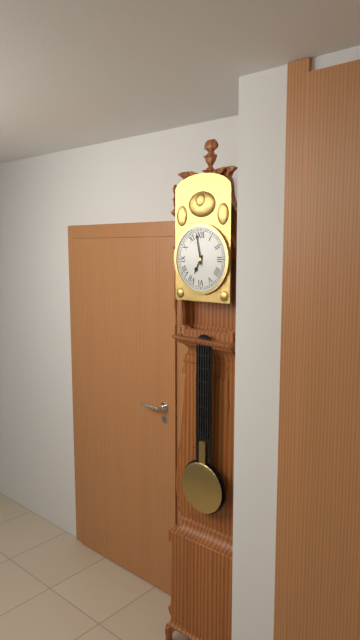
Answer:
**6:58**
